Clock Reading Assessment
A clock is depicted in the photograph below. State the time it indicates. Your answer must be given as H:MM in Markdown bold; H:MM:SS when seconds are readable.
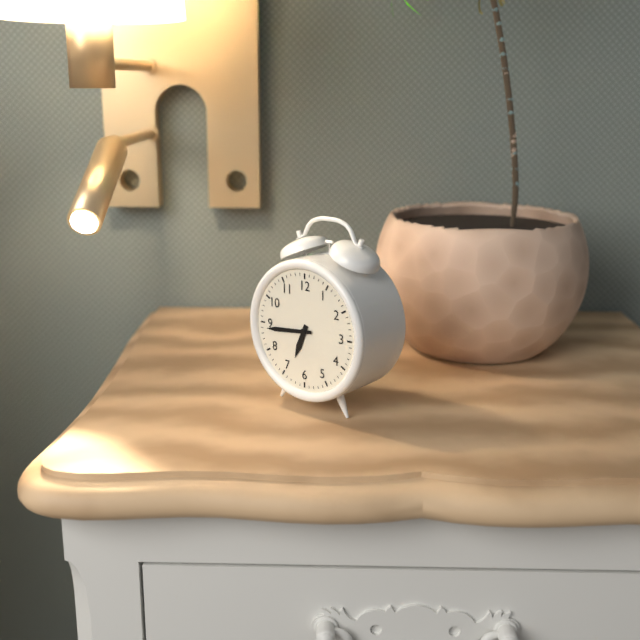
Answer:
**6:44**
